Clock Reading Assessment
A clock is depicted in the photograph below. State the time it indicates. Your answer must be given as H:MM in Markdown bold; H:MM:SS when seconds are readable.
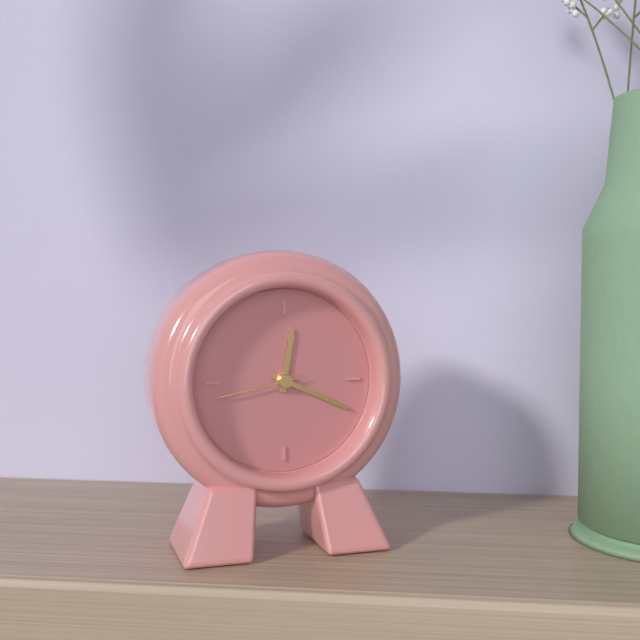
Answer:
**12:19:43**
